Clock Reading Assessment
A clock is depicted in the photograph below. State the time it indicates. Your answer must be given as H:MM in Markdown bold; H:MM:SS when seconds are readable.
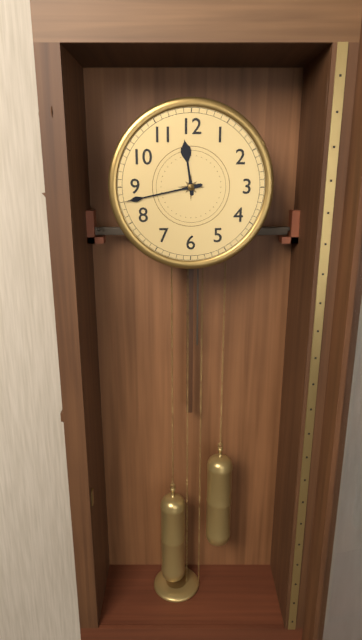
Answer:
**11:43**
